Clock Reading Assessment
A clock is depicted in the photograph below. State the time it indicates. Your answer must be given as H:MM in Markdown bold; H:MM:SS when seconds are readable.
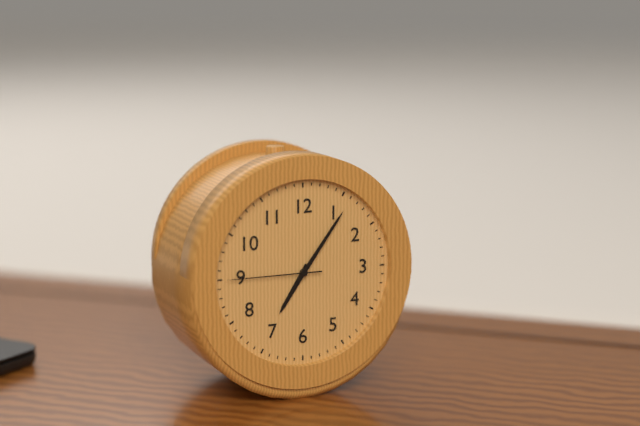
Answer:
**7:06:45**
